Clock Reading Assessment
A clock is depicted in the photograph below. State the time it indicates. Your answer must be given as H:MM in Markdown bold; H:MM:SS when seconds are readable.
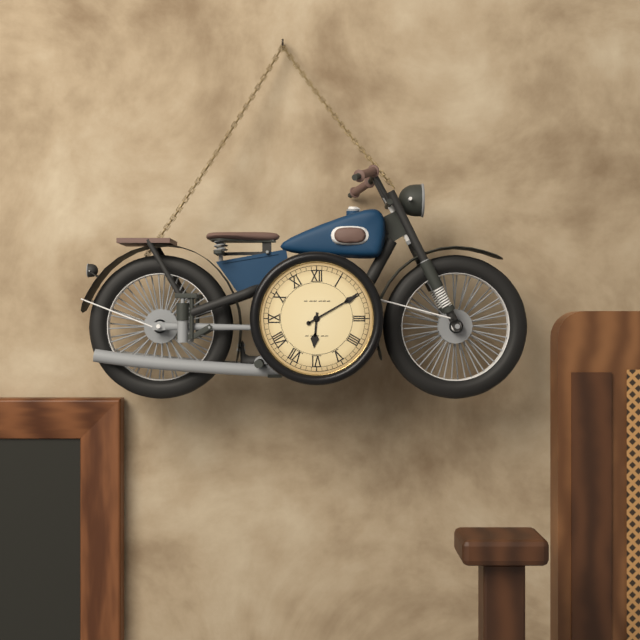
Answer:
**6:10**
